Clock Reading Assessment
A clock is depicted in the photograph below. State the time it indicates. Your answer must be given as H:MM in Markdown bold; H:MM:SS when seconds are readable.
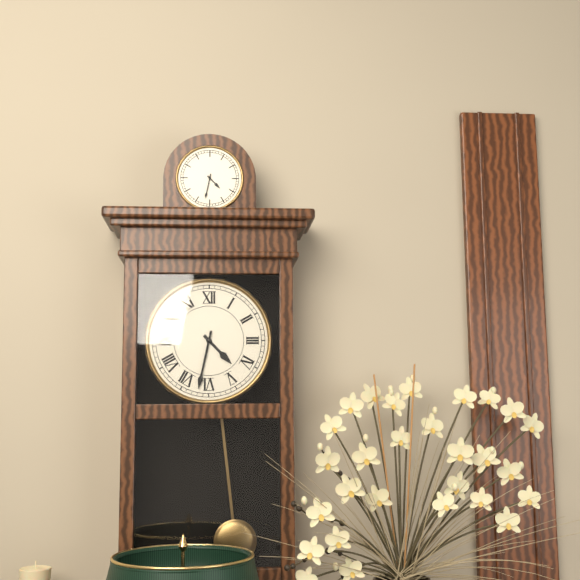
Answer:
**4:32**
